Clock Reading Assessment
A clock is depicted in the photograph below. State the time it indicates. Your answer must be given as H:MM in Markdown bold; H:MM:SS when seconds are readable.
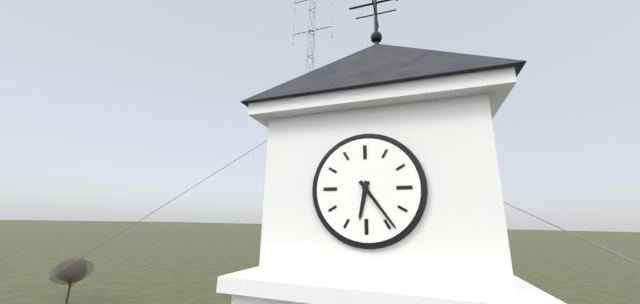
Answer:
**6:24**
